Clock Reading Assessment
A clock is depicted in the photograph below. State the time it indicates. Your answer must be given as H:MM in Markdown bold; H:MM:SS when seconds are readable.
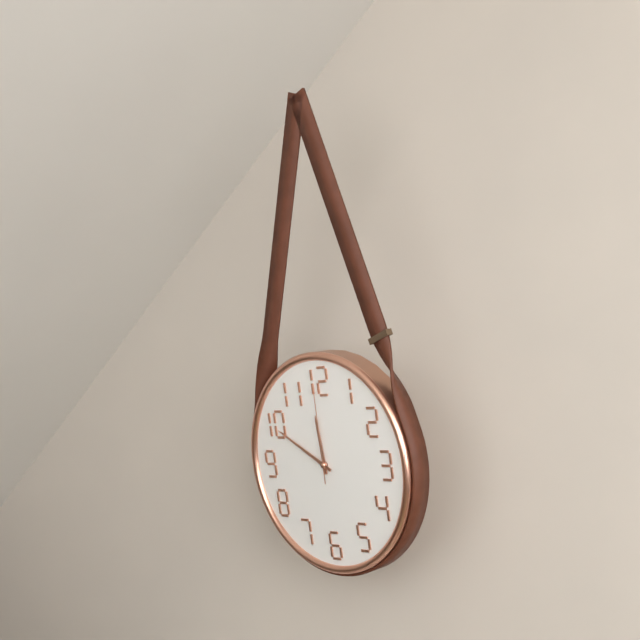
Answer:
**11:50:00**
